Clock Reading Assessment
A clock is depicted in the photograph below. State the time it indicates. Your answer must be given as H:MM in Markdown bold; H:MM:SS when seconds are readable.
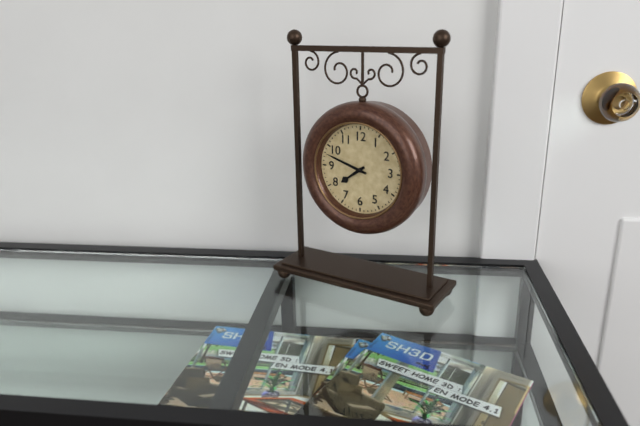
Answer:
**7:48**
